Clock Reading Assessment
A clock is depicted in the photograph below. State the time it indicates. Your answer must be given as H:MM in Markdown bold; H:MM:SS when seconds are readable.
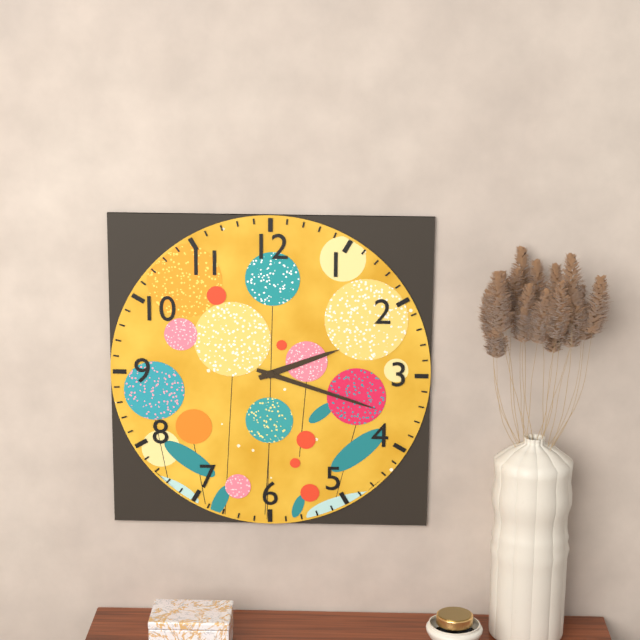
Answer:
**2:18**
